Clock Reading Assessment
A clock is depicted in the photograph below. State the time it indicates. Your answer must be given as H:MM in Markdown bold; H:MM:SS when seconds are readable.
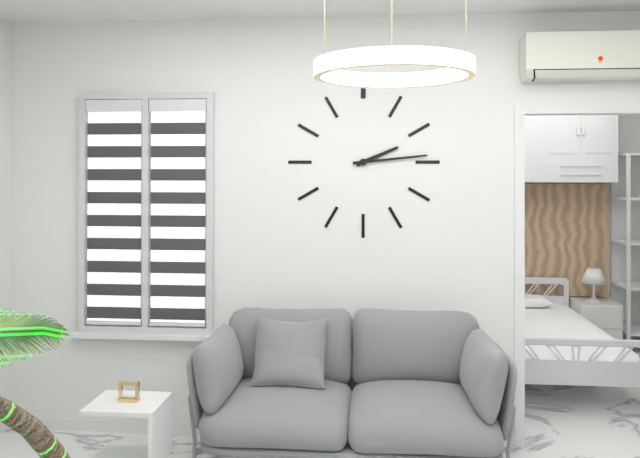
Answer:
**2:14**
